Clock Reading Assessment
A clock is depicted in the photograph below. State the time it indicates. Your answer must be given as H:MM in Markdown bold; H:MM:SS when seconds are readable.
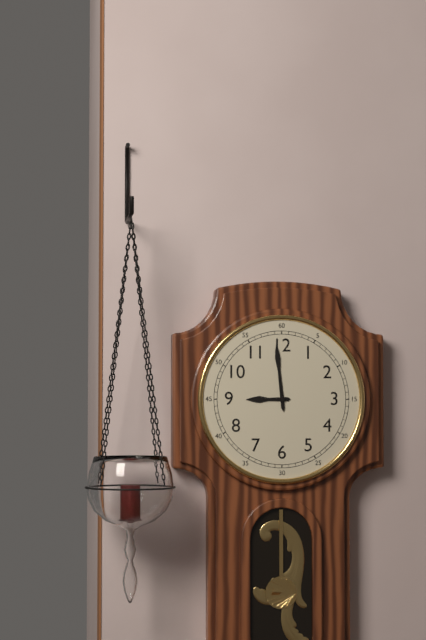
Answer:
**8:59**
